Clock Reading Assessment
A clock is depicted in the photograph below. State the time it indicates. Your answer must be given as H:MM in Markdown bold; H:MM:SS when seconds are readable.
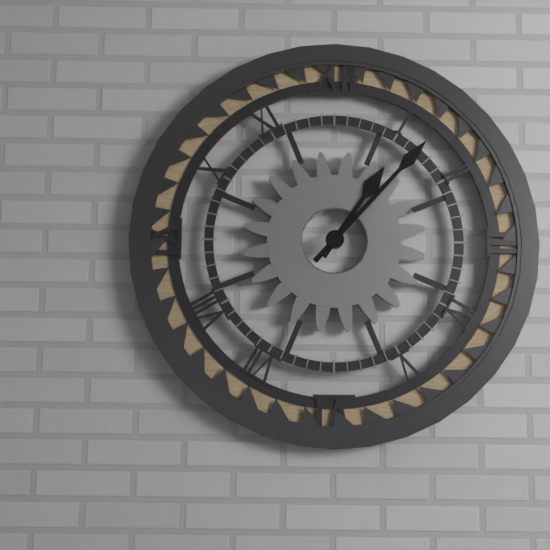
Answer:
**1:07**
